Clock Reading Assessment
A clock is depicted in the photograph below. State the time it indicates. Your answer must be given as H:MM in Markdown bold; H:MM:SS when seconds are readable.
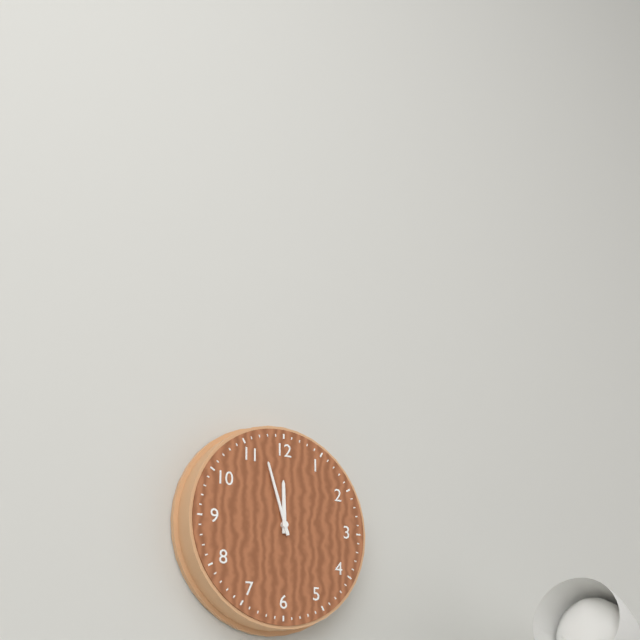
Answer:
**11:57**
